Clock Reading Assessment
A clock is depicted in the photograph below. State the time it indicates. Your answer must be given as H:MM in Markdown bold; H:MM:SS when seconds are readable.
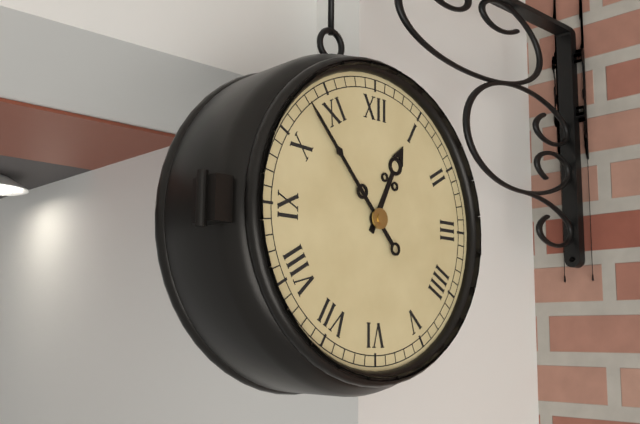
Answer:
**12:53**
